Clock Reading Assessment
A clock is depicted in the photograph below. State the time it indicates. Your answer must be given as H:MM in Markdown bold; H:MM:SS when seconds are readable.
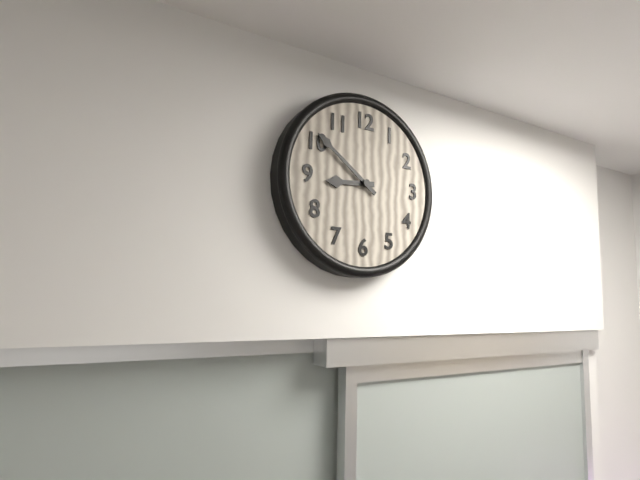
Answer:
**8:51**
